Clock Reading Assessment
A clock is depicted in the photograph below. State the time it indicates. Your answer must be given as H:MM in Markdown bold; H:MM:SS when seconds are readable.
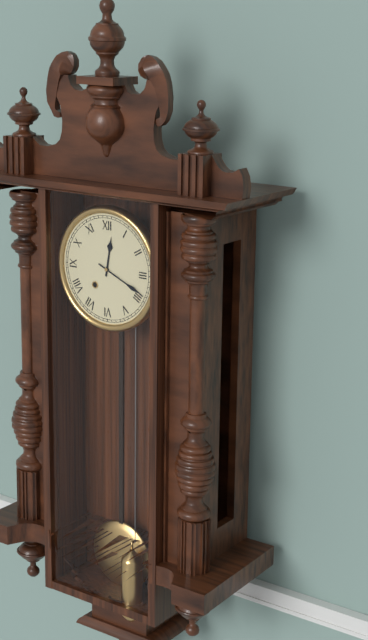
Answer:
**12:19**
